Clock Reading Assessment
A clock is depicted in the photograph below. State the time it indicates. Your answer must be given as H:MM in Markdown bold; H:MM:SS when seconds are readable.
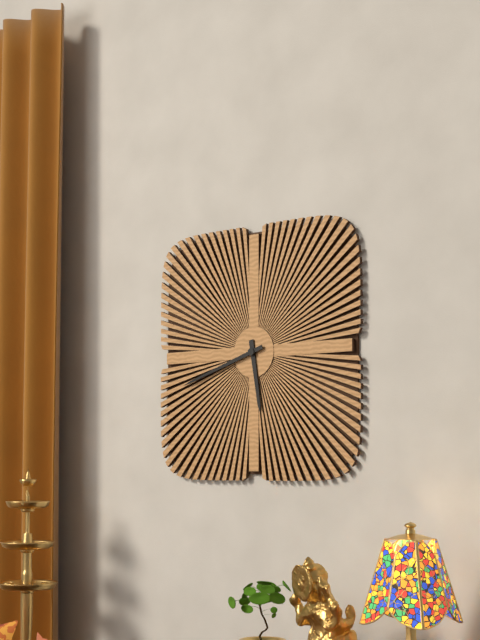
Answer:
**5:42**
